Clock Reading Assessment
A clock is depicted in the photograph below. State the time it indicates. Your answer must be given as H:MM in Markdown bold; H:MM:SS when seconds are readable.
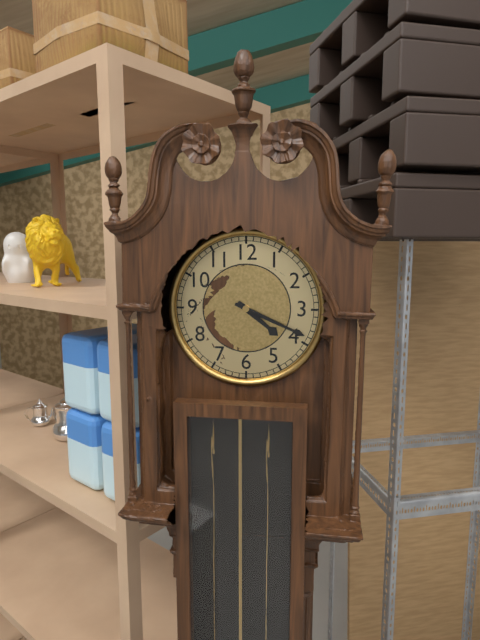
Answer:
**4:19**
